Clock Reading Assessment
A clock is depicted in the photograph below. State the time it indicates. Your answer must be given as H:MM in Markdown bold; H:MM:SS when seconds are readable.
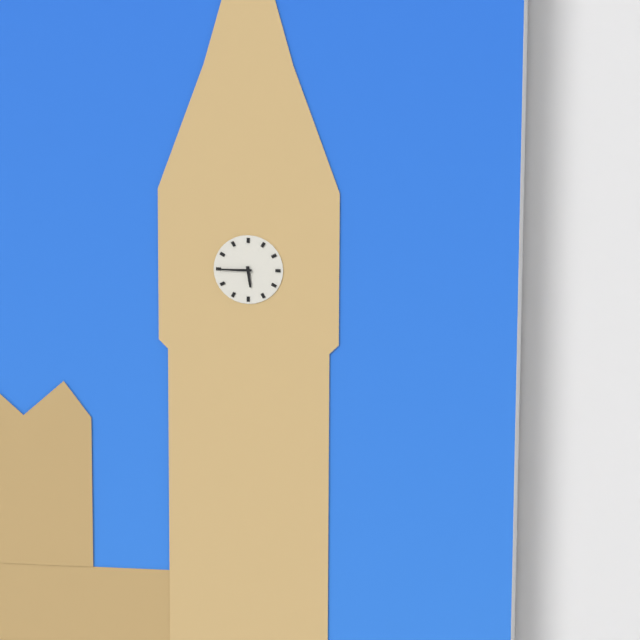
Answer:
**5:45**
